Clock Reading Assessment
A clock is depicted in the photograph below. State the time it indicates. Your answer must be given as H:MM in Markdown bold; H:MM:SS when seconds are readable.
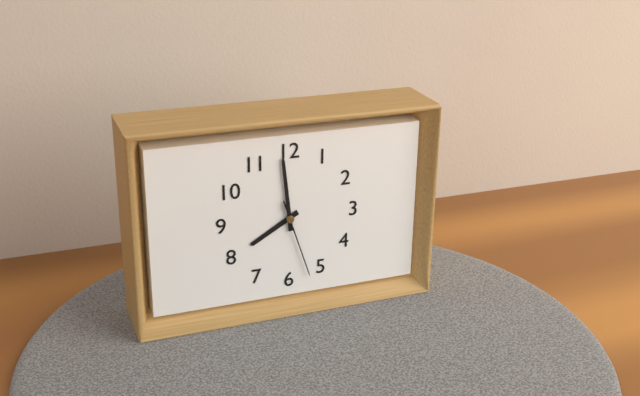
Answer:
**7:59:27**
